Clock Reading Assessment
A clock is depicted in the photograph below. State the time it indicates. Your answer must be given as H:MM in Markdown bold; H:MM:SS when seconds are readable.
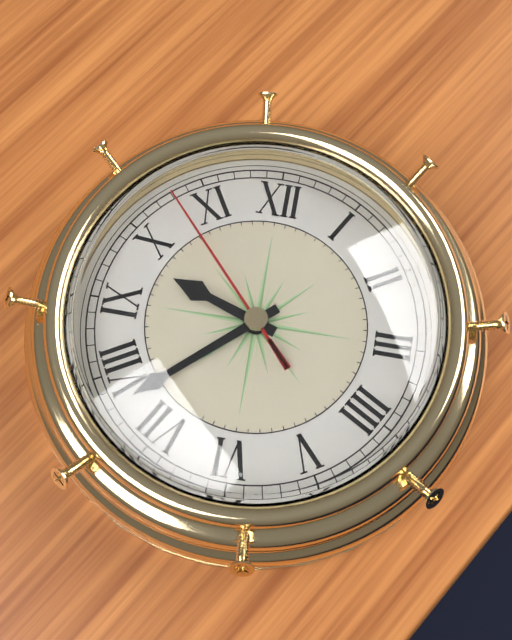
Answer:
**9:38:53**
